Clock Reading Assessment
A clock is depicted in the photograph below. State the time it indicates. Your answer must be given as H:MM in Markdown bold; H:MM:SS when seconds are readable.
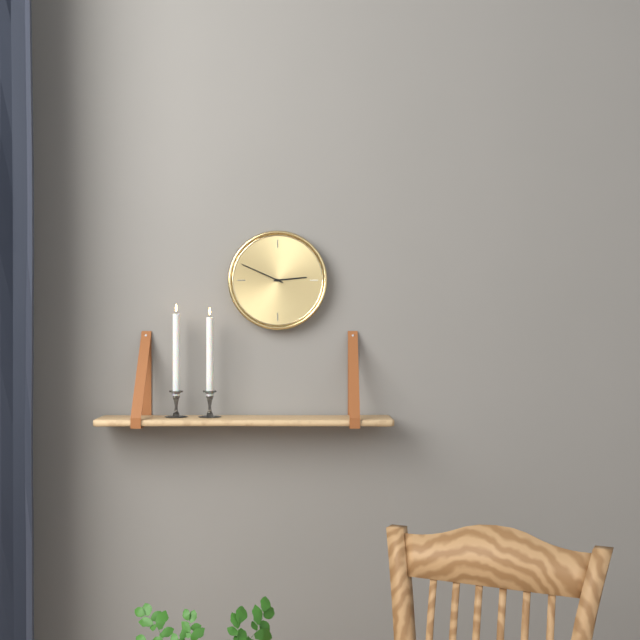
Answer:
**2:49**
